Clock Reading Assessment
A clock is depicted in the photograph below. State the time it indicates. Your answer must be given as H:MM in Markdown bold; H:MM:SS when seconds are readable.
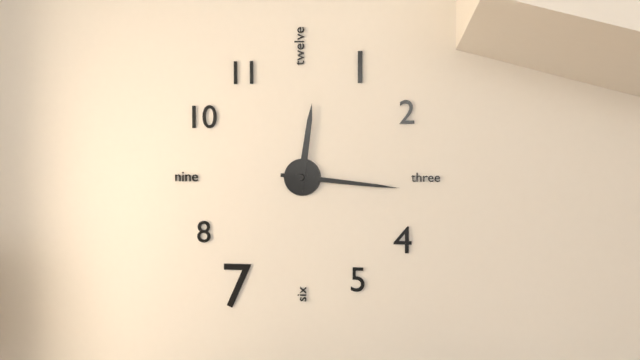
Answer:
**12:16**
